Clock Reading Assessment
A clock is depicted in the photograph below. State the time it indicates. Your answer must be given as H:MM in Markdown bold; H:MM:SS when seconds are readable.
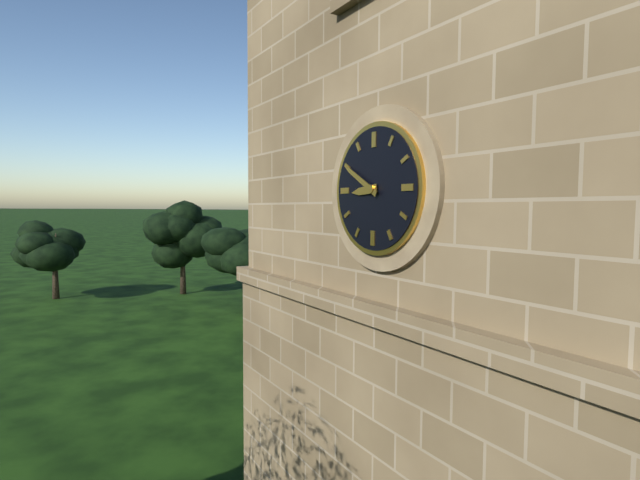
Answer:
**8:50**
